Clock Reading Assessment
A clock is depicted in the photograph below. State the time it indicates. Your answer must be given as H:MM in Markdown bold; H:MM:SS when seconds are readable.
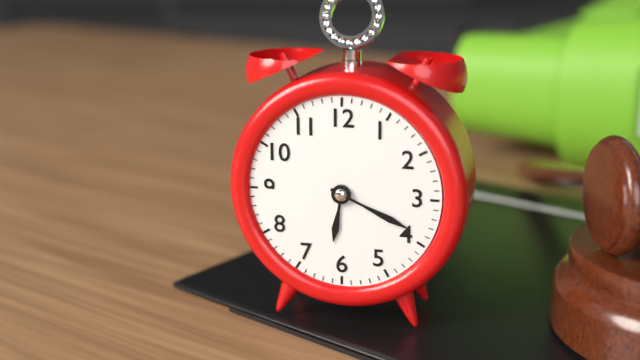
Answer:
**6:19**
